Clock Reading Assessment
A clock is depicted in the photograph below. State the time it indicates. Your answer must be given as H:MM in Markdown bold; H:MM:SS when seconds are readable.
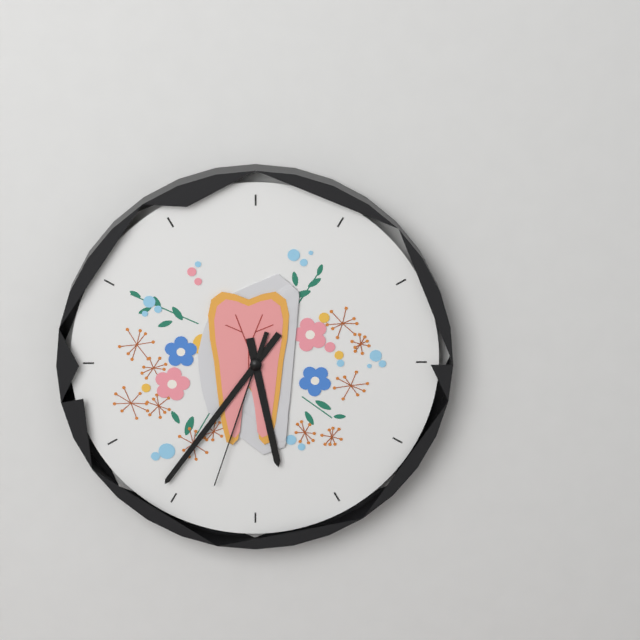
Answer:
**5:36:33**
